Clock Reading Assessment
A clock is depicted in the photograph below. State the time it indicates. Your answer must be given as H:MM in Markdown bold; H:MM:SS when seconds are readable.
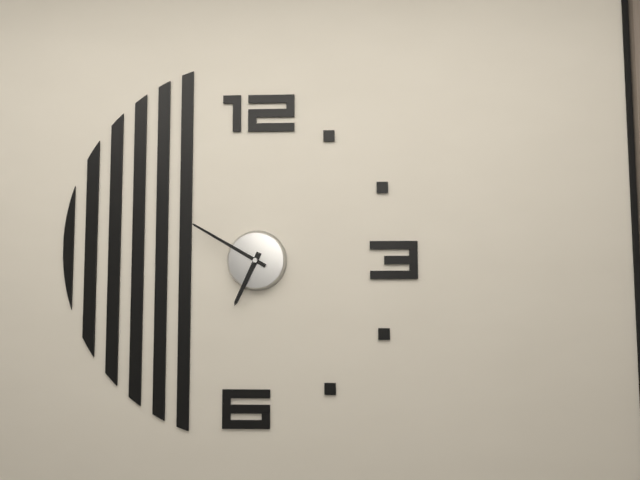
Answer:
**6:50**
